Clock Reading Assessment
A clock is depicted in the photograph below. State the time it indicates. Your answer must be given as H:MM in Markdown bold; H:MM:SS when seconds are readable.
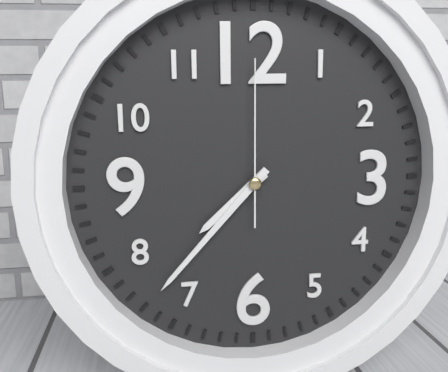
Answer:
**7:37:00**
